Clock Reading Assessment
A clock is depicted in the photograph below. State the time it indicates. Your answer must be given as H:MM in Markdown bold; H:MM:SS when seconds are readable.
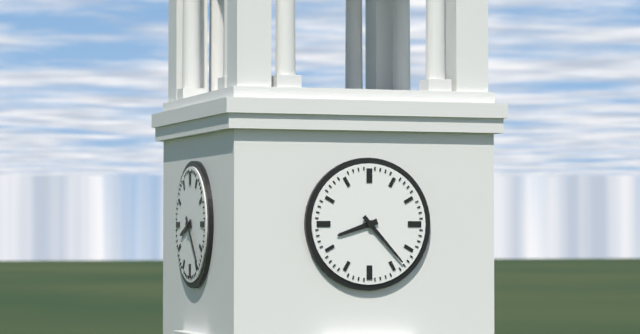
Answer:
**8:23**
